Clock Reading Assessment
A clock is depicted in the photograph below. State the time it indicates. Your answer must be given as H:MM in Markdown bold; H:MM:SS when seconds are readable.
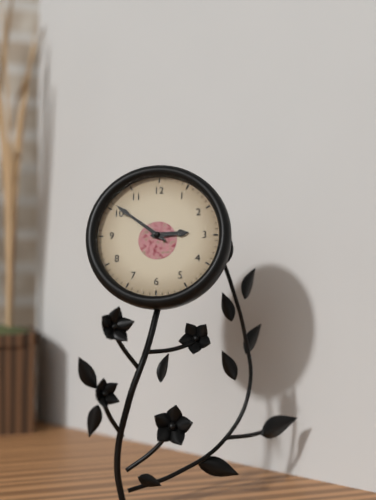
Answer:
**2:51**
